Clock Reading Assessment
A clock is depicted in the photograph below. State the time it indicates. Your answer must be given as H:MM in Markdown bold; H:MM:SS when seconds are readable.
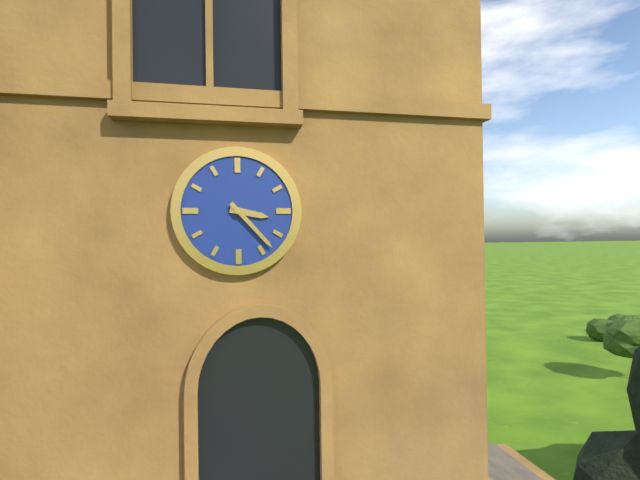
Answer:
**3:23**
